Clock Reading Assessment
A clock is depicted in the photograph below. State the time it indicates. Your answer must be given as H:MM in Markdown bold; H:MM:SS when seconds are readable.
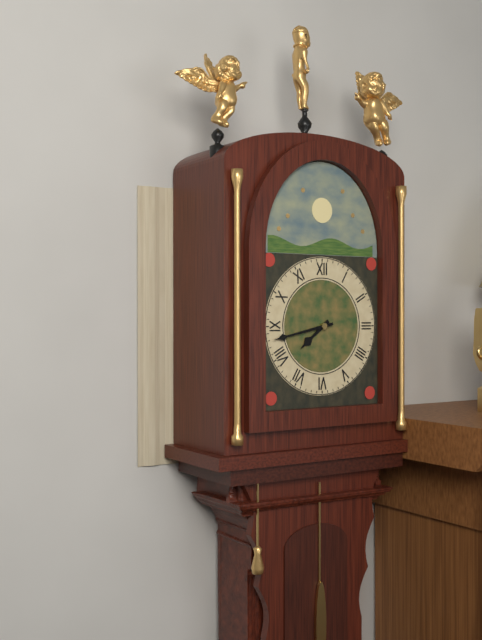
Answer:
**7:43**
